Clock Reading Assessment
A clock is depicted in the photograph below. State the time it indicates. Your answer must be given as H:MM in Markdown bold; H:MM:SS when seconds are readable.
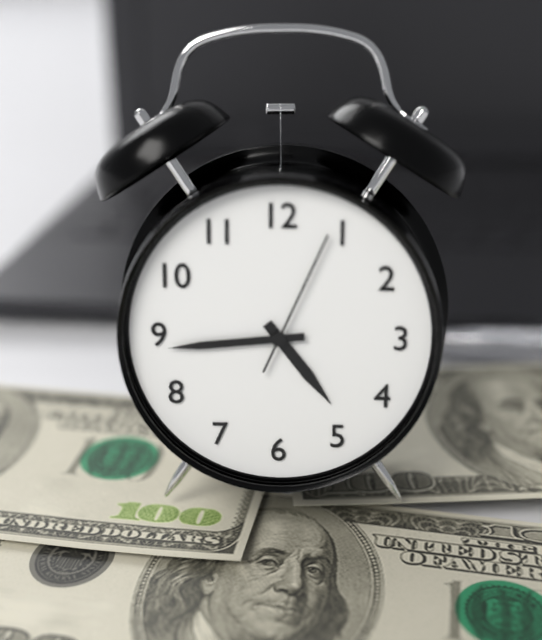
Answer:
**4:44:04**
